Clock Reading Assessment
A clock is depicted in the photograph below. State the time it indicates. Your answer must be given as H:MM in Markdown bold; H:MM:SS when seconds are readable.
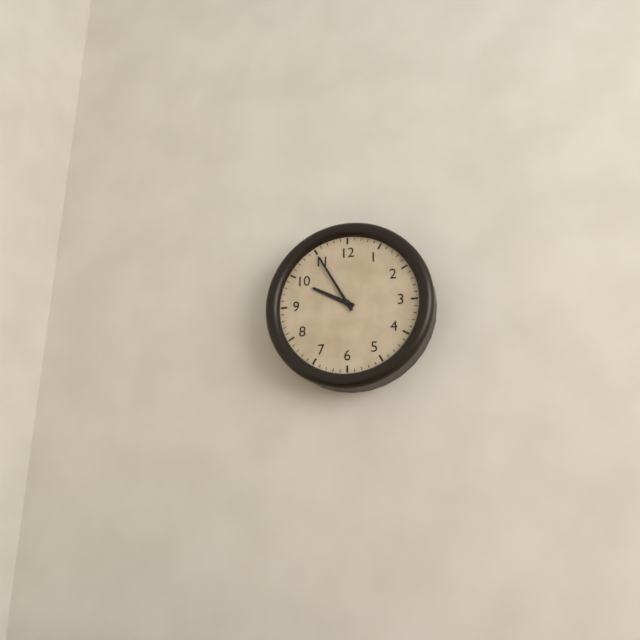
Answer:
**9:55**
